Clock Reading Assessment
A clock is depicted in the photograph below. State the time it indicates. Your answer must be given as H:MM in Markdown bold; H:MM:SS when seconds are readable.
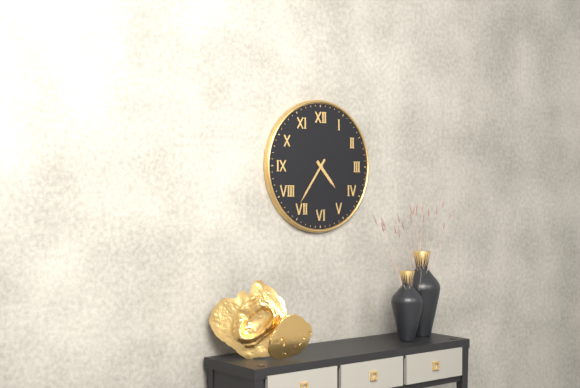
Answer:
**4:36**
